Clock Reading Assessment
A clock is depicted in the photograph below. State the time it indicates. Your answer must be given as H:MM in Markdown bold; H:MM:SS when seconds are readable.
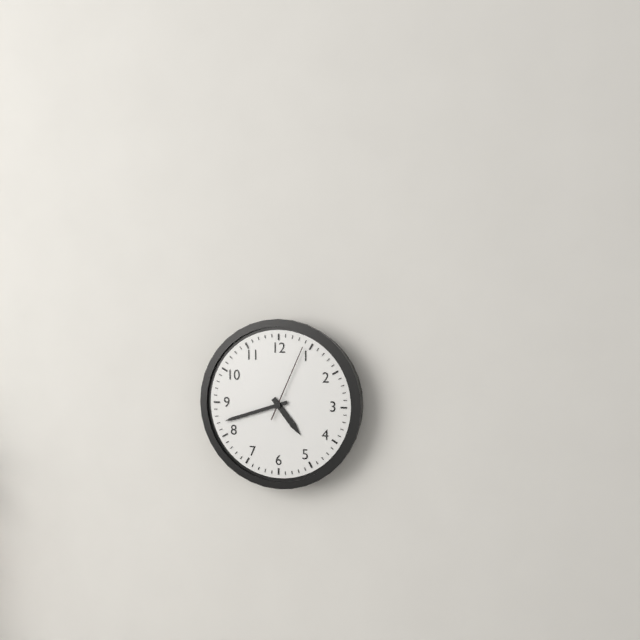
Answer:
**4:42:04**
